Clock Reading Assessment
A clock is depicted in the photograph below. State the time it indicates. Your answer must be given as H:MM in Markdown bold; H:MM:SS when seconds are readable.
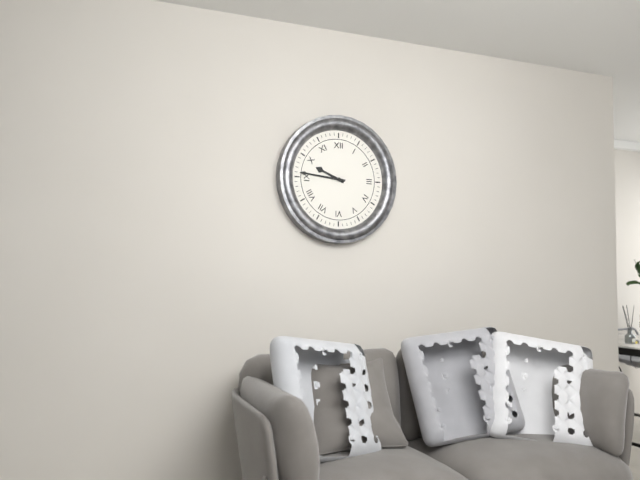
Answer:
**9:46**
